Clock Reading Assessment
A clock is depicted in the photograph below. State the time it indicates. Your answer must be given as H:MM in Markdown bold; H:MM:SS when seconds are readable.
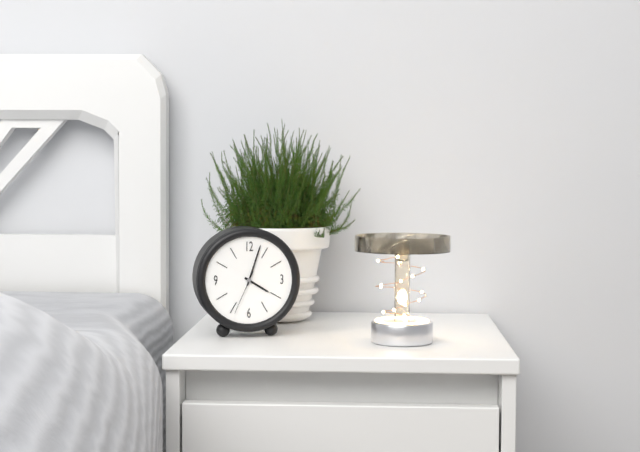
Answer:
**4:03**
